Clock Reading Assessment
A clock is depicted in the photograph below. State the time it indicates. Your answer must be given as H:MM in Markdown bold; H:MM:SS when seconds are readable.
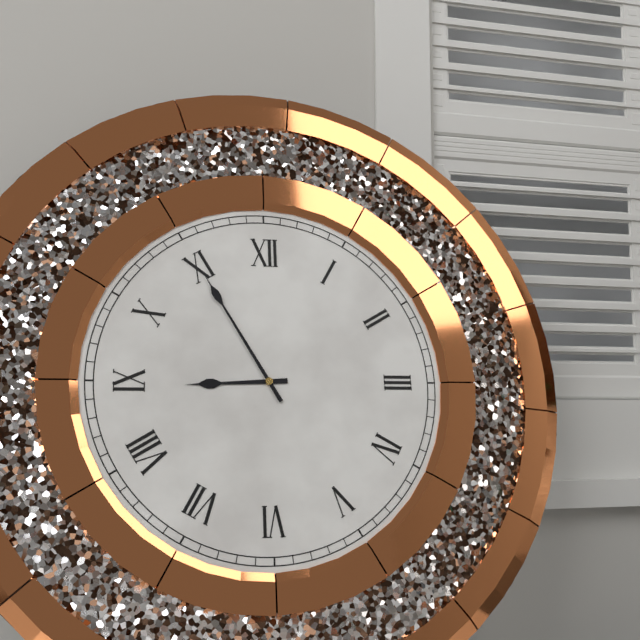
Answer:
**8:55**
